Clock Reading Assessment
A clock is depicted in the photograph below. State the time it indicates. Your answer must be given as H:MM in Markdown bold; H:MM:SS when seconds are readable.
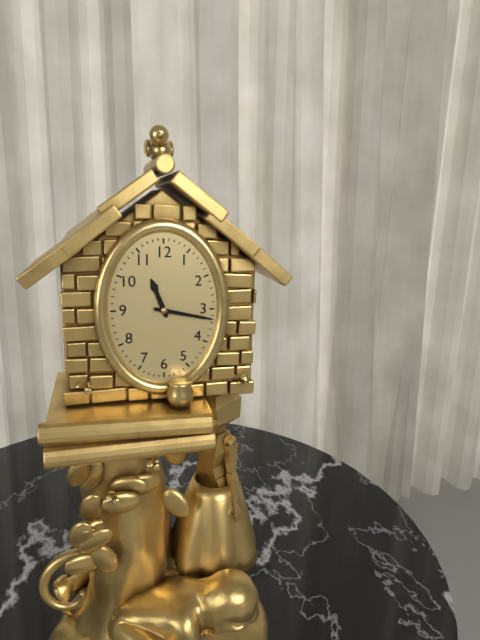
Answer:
**11:17**
